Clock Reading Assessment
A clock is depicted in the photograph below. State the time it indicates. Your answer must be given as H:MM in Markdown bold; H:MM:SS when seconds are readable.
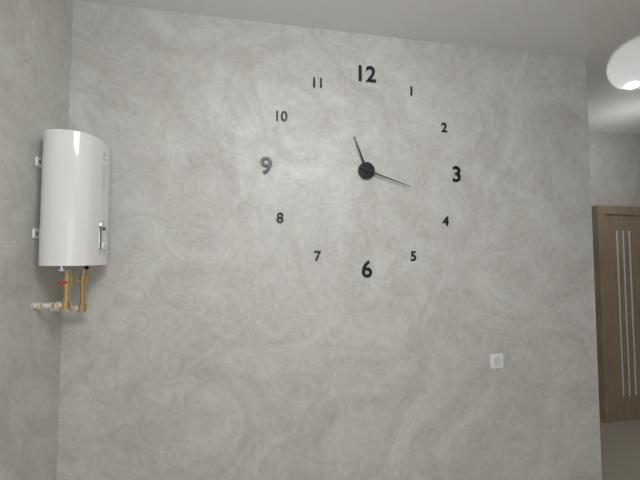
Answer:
**11:18**
